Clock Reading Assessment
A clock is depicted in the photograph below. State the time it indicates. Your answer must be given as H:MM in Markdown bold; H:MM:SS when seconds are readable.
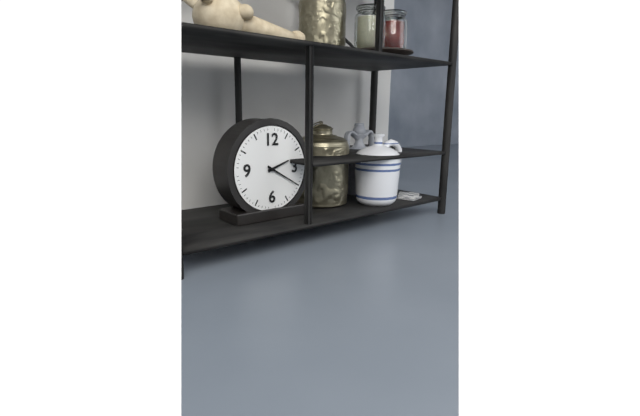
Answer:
**2:20**
